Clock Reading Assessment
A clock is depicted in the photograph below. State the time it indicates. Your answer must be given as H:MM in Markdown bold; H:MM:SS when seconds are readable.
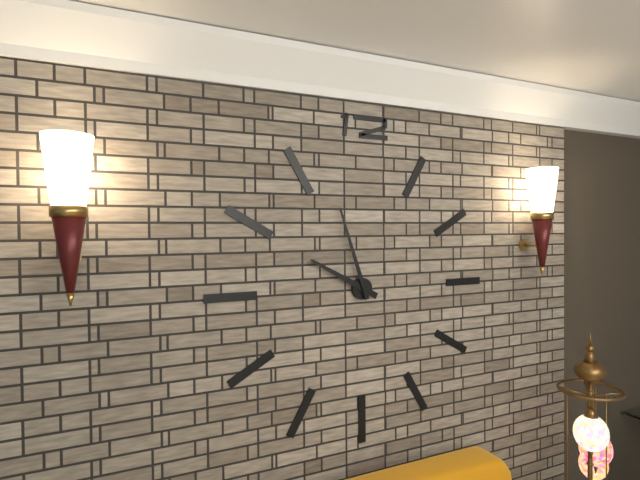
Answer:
**9:57**
